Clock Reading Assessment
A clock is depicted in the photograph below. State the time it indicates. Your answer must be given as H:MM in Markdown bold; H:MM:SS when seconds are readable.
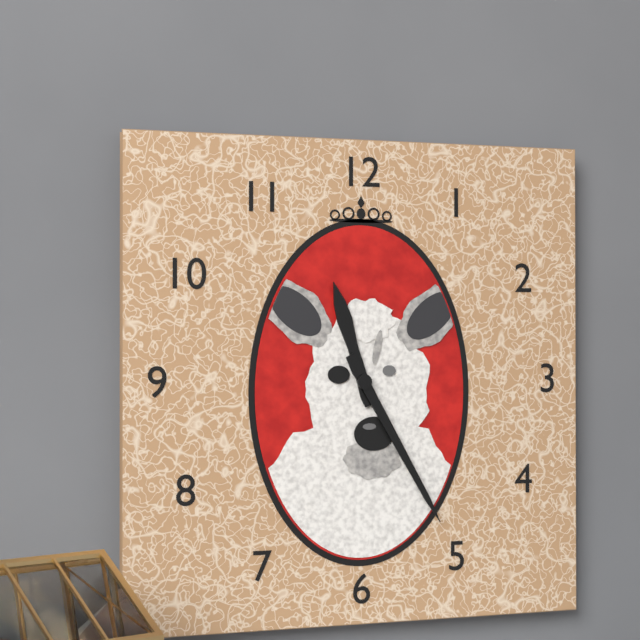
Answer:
**11:25**
